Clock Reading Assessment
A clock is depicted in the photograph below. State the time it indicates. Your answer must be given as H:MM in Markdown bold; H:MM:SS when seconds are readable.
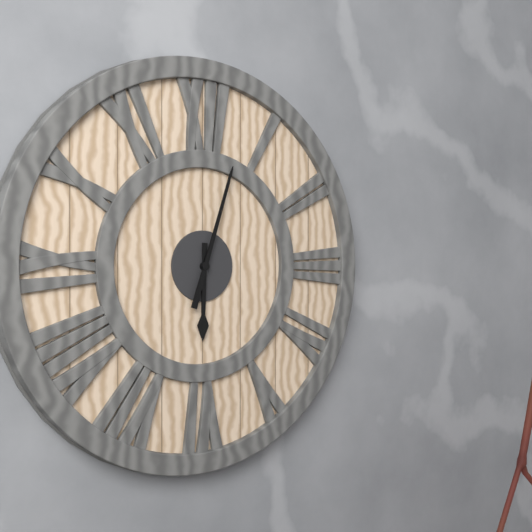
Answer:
**6:03**
